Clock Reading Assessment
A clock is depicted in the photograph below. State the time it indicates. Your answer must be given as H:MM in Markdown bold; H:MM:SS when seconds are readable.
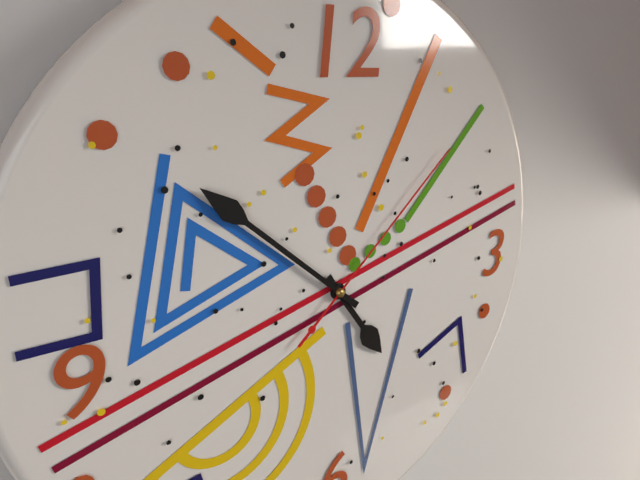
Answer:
**4:52:08**
